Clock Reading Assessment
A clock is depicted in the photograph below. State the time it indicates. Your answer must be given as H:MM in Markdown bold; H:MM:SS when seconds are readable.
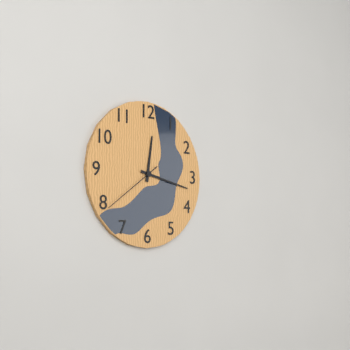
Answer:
**12:17:39**
